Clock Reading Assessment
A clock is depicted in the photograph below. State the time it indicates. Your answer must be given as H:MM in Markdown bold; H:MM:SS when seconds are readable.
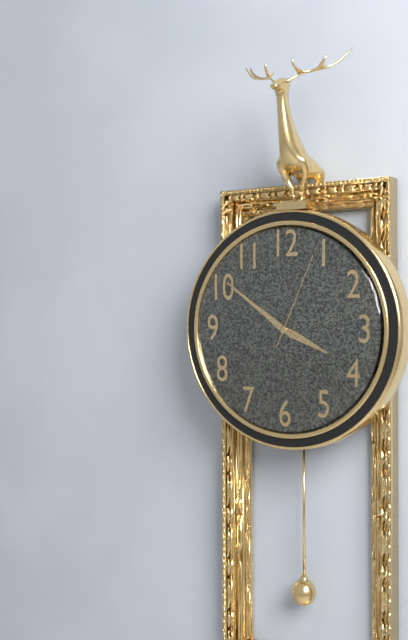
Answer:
**3:51:04**
